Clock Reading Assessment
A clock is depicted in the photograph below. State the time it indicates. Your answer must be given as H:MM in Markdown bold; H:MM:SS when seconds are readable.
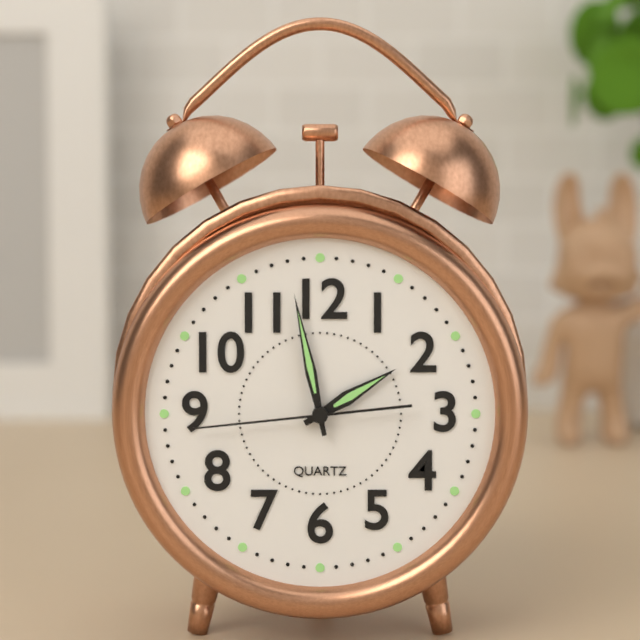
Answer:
**1:58:44**
